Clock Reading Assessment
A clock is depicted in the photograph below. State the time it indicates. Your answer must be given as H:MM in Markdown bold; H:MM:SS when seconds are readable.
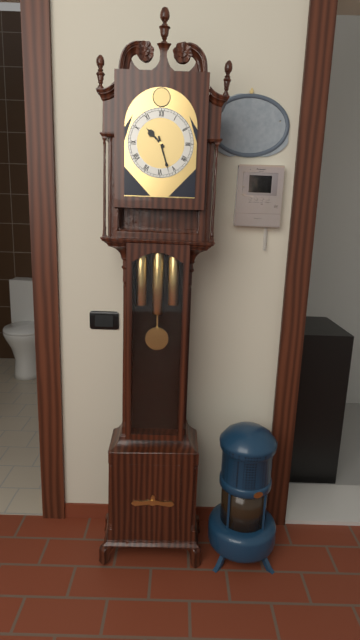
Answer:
**10:27**
